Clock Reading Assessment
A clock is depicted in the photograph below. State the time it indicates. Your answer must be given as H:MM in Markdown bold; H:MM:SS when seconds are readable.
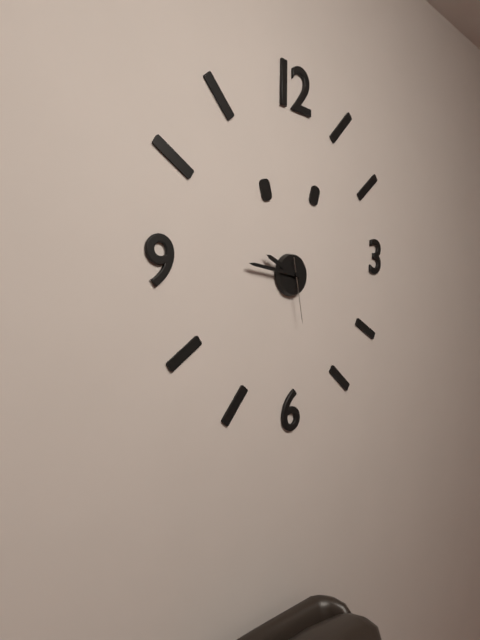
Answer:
**9:46:28**
